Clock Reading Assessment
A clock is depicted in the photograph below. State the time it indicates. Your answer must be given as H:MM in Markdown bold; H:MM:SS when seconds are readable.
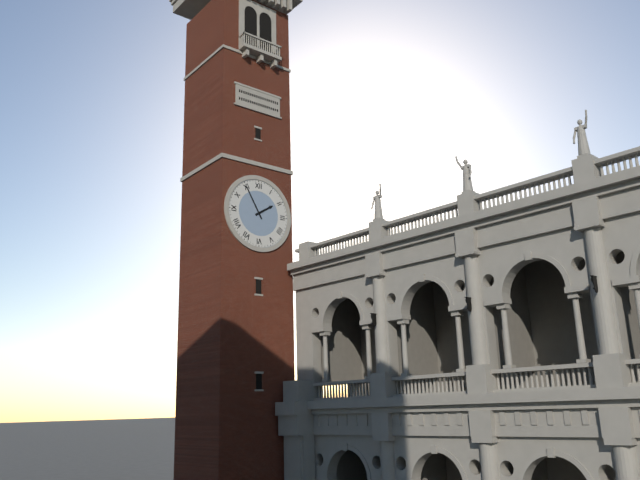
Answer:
**1:55**
